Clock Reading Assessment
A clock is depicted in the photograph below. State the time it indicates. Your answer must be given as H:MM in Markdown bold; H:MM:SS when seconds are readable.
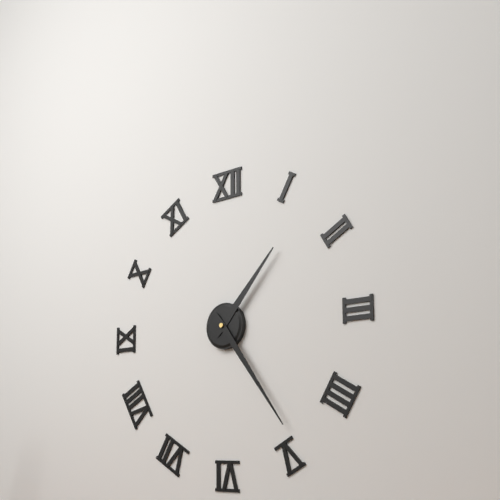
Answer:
**1:24**
